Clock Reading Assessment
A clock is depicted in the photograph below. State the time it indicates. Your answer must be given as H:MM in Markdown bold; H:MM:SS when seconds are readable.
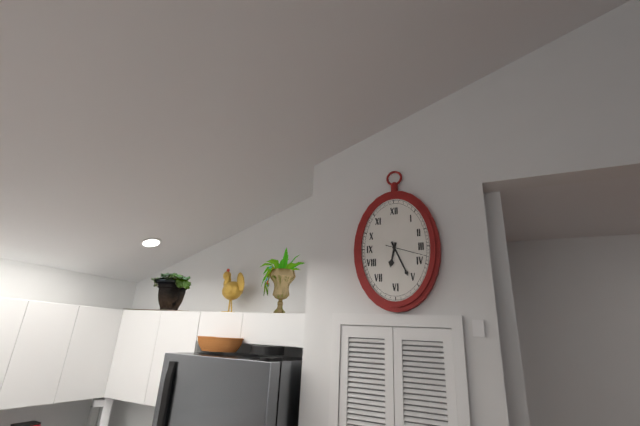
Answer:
**6:26**
